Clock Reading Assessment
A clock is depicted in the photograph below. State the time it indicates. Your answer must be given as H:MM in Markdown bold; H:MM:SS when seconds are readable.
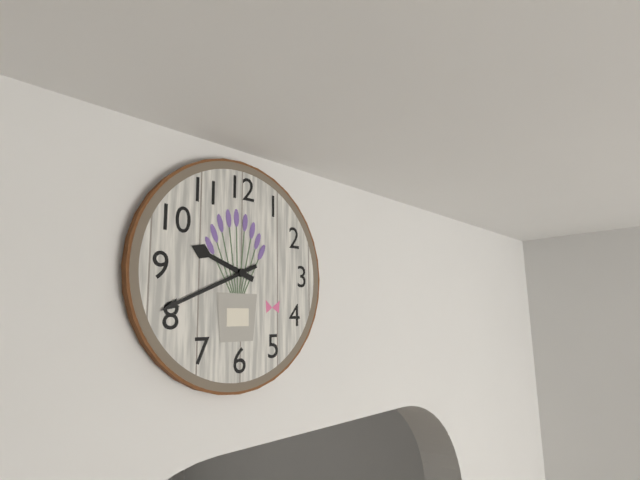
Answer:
**9:41**
